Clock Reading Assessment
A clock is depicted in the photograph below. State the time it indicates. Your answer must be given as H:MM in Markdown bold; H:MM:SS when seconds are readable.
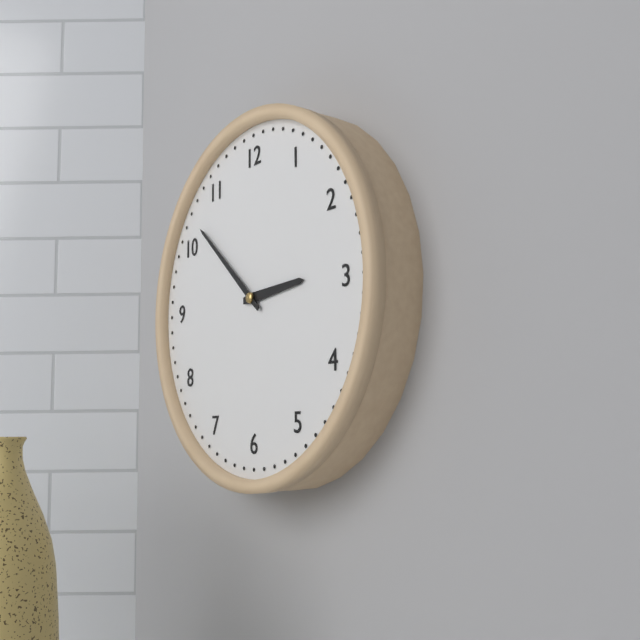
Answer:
**2:52**
